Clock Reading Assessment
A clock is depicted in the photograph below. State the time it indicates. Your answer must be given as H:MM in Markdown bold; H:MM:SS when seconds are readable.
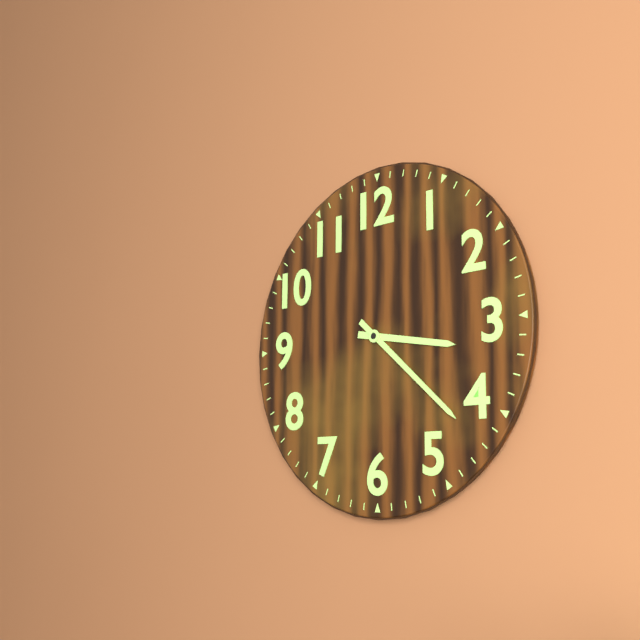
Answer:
**3:22**
